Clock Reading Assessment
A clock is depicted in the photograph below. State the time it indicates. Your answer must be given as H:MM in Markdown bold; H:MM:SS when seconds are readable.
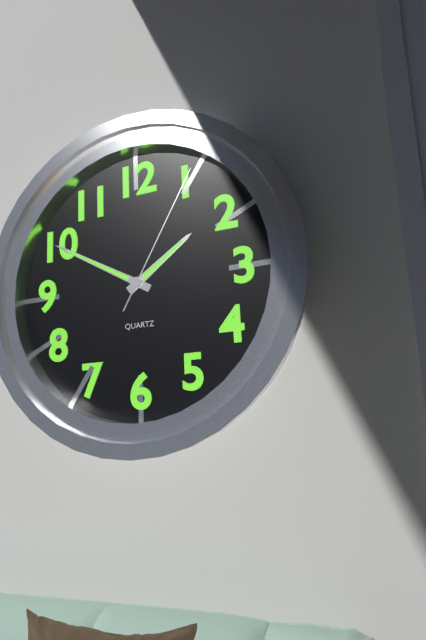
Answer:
**1:50:05**
